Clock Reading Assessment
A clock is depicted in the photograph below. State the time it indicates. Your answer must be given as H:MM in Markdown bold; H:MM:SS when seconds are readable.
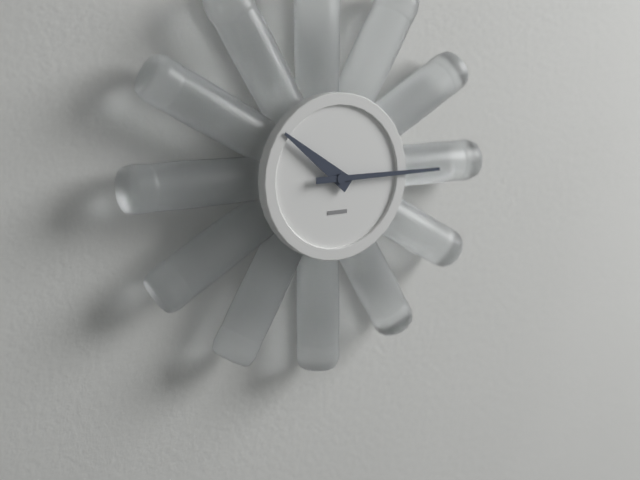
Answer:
**10:15**
